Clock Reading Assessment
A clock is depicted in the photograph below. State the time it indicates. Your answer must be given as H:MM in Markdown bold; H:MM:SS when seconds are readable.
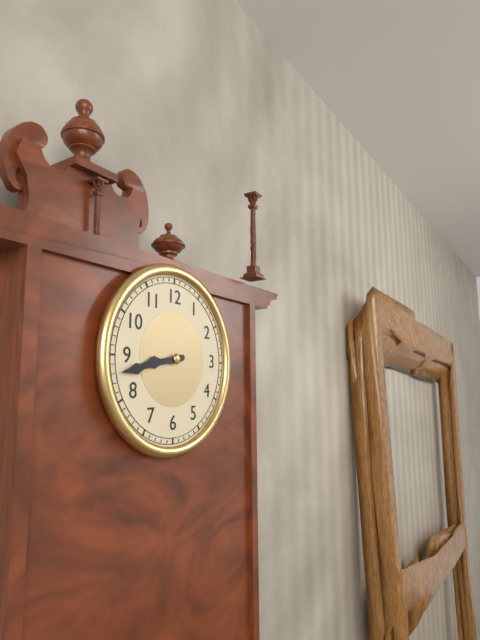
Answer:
**8:43**
